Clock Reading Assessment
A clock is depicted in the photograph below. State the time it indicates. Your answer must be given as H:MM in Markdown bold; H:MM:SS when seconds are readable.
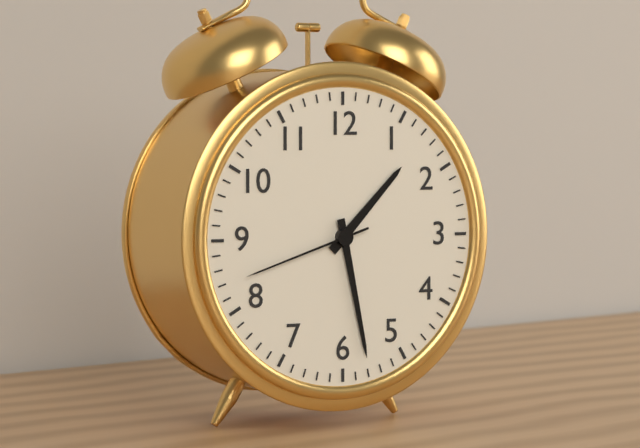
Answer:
**1:28:42**
